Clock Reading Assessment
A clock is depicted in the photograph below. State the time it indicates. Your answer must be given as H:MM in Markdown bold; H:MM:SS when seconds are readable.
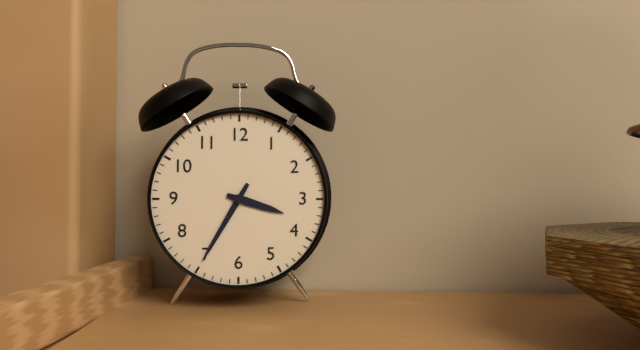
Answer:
**3:35**
